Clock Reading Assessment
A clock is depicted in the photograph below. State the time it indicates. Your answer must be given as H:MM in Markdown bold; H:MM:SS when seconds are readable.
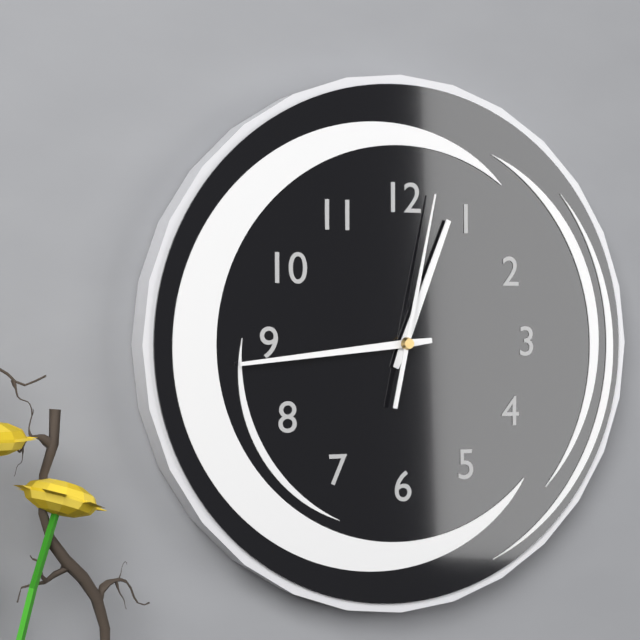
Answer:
**12:44:02**
